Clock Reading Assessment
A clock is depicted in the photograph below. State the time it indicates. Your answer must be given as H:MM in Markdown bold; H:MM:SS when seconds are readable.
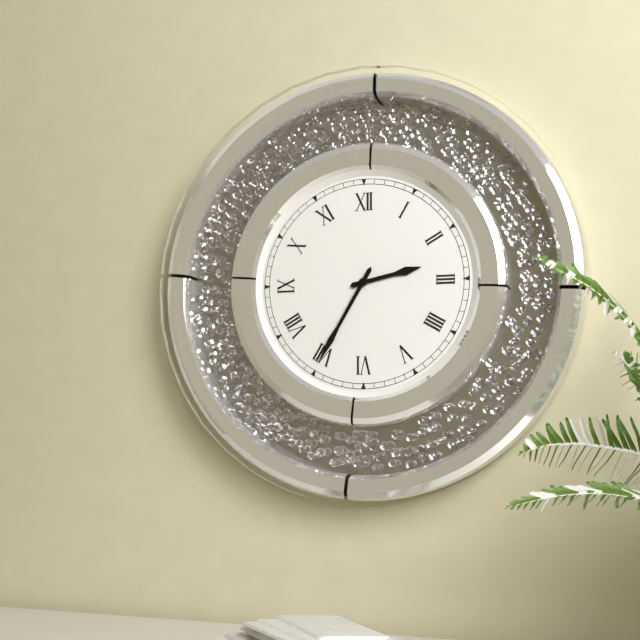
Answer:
**2:35**
